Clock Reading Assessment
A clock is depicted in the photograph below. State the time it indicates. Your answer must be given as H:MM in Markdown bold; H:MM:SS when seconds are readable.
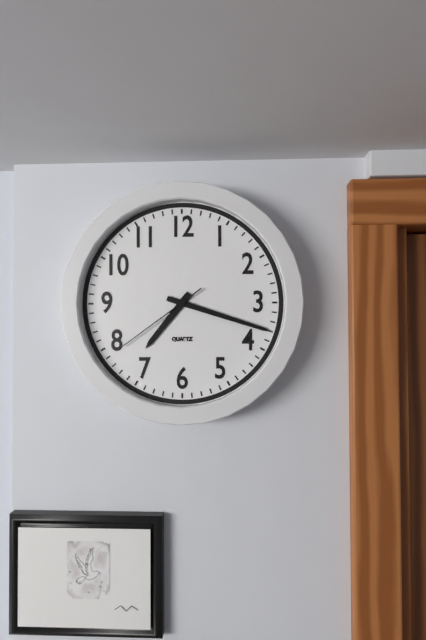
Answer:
**7:18:39**
